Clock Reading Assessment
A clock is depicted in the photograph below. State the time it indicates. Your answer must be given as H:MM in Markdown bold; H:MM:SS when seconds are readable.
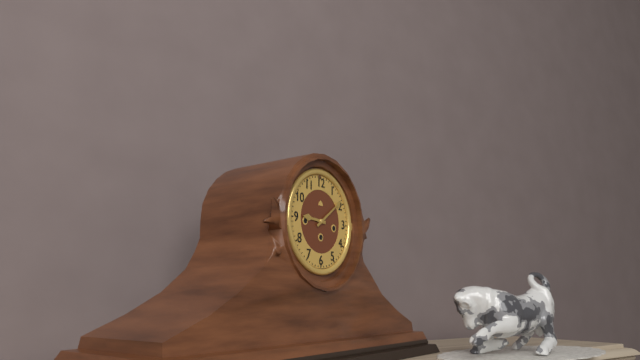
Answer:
**9:09**
